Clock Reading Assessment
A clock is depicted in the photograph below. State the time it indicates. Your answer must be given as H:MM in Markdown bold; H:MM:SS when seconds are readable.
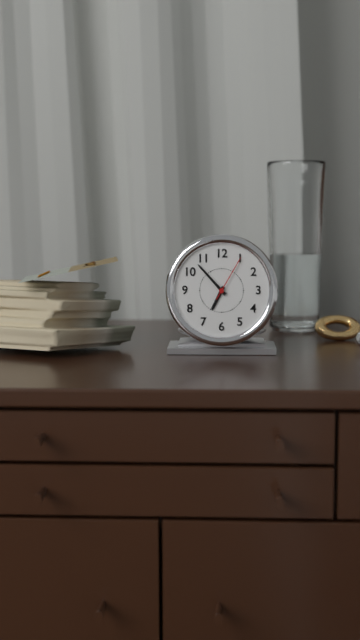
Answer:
**6:53**
